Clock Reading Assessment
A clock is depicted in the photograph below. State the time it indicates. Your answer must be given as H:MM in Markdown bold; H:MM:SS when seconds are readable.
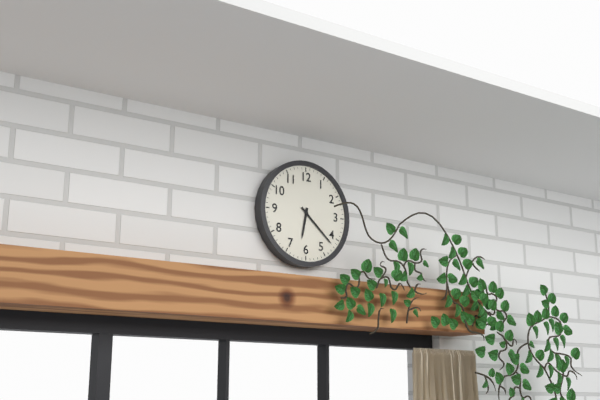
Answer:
**6:22**
